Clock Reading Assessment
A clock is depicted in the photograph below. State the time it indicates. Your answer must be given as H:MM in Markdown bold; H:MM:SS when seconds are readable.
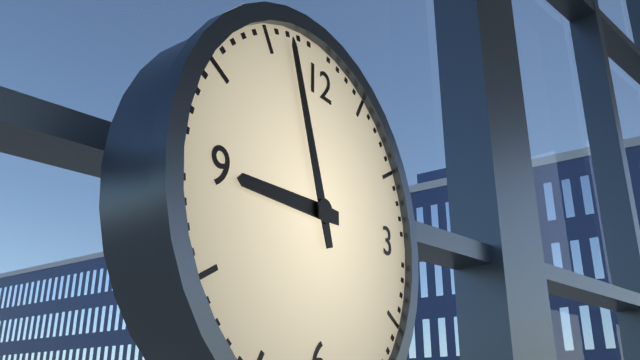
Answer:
**8:57**
